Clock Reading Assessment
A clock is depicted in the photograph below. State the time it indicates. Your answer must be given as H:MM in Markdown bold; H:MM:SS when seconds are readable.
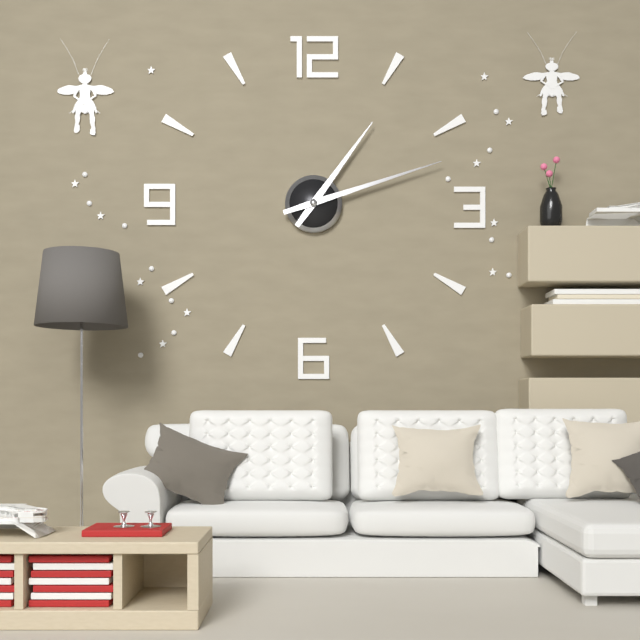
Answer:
**1:12**
